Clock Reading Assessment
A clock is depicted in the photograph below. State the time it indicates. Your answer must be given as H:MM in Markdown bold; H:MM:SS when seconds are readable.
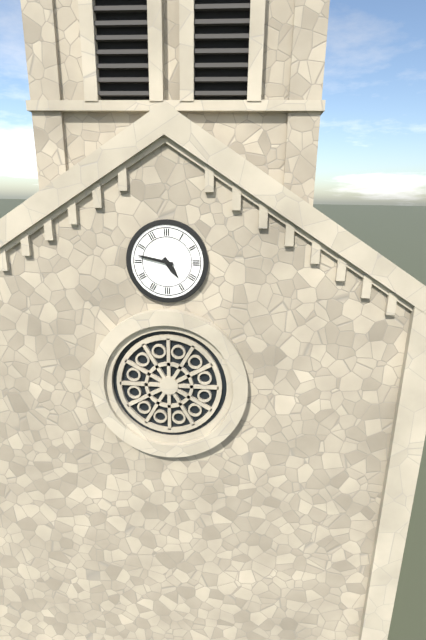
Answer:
**4:47**
